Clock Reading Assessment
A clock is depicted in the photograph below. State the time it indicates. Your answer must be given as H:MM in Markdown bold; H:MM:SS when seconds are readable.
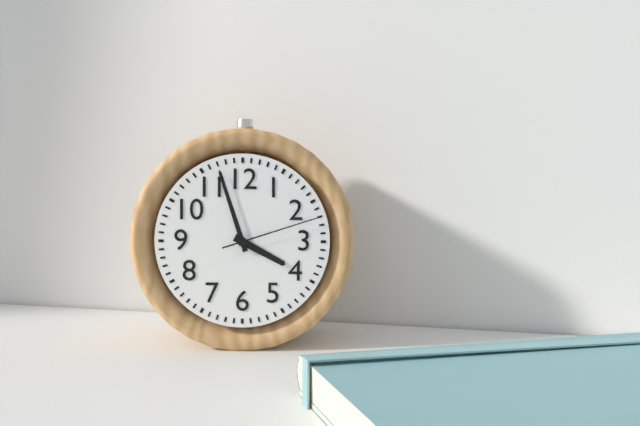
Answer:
**3:57:12**
